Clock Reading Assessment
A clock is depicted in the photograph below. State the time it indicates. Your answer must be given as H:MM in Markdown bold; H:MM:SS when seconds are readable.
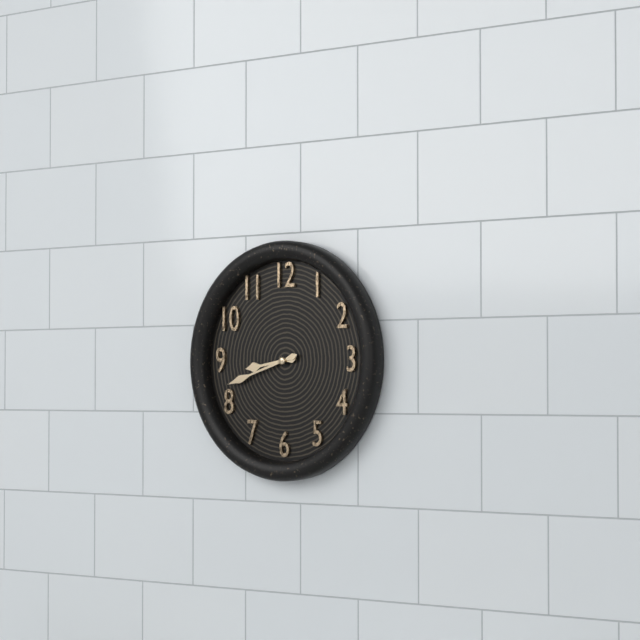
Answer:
**8:42**
